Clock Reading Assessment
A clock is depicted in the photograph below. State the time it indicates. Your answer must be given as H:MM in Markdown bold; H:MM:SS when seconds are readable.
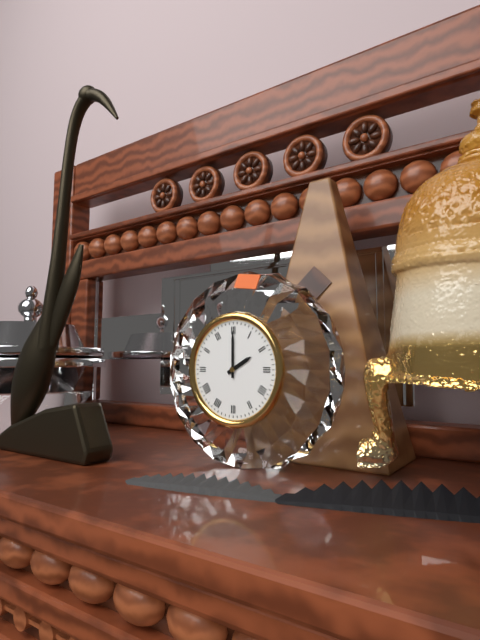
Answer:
**2:00**
